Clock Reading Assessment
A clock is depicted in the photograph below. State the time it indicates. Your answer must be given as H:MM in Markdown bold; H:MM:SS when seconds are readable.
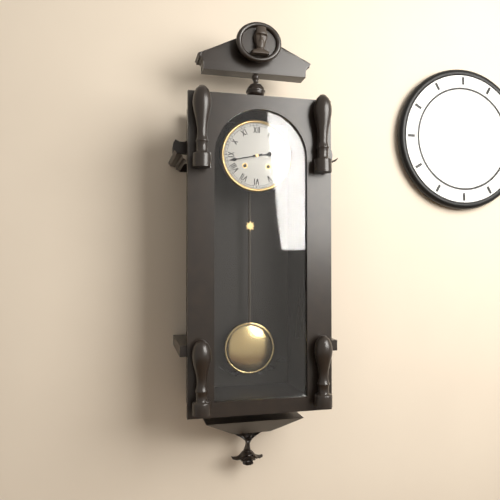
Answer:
**2:43**
